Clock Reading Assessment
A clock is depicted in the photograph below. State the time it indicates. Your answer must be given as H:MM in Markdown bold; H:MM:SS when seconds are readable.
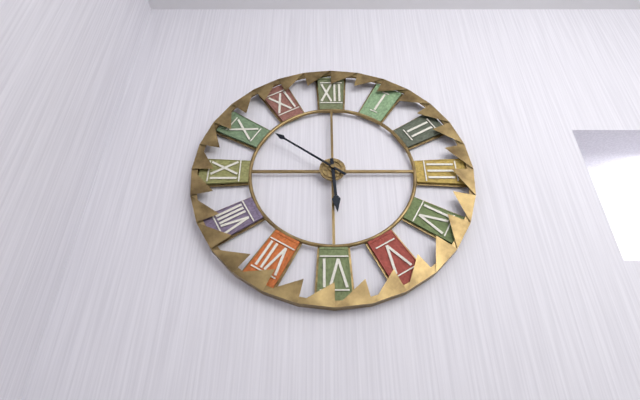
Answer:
**5:51**
